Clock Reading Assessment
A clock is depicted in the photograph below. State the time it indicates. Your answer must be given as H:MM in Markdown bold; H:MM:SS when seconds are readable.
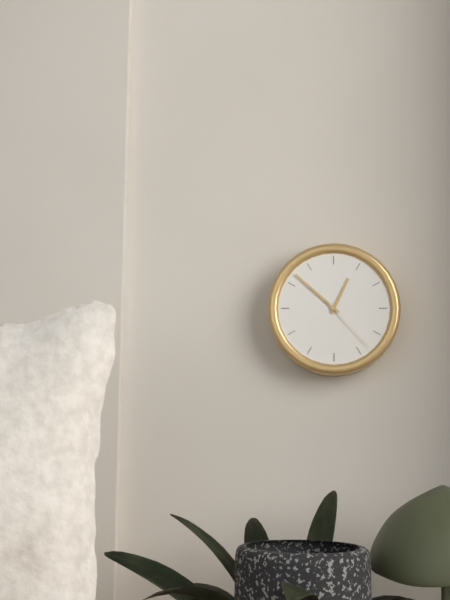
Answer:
**12:52:23**
